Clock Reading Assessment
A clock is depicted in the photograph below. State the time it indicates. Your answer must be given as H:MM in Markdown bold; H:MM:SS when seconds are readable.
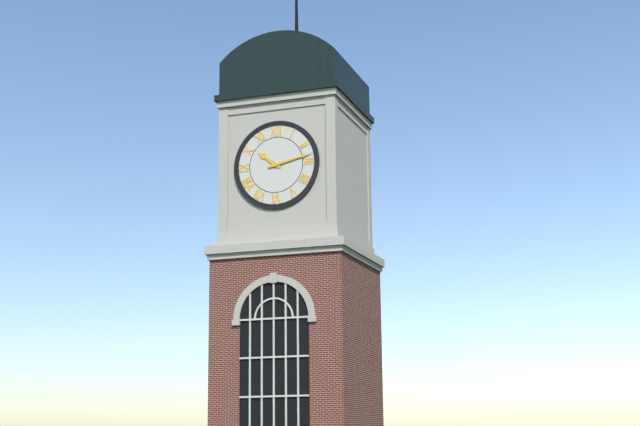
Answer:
**10:13**
